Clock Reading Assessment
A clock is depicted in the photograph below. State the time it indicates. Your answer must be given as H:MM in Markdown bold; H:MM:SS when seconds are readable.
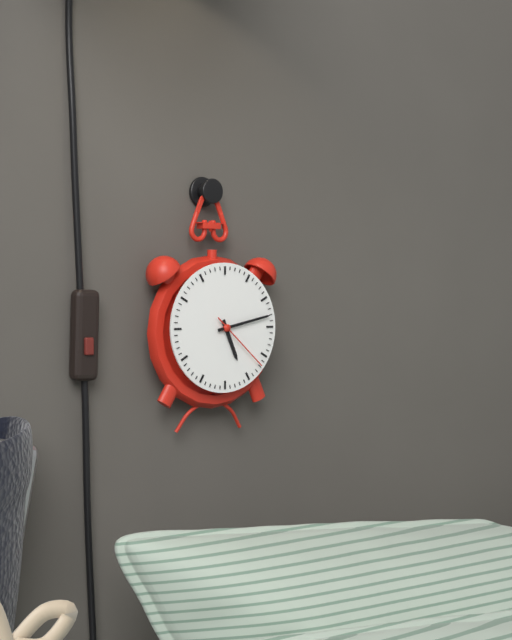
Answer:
**5:13:22**
